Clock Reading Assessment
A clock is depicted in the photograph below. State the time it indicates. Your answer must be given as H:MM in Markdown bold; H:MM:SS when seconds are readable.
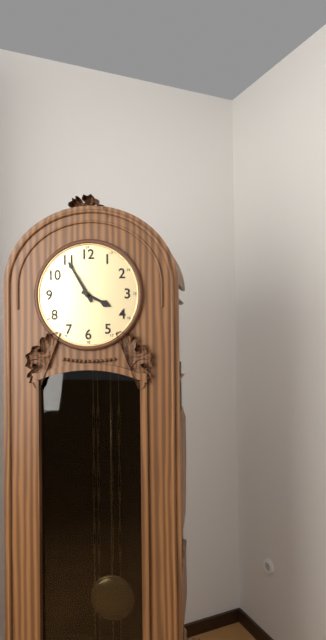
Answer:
**3:55**
